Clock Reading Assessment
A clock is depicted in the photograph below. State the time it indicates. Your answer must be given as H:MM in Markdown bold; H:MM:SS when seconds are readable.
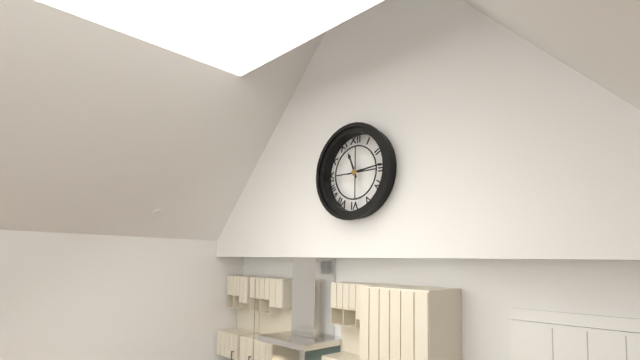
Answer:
**11:14**
